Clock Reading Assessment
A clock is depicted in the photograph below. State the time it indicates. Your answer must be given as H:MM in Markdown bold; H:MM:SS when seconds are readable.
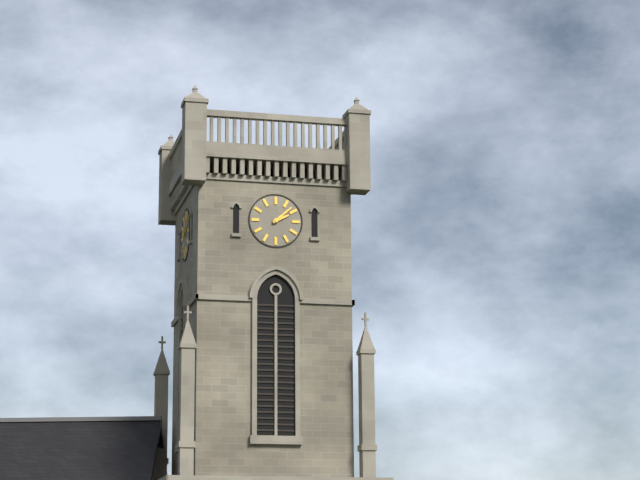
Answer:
**2:08**
